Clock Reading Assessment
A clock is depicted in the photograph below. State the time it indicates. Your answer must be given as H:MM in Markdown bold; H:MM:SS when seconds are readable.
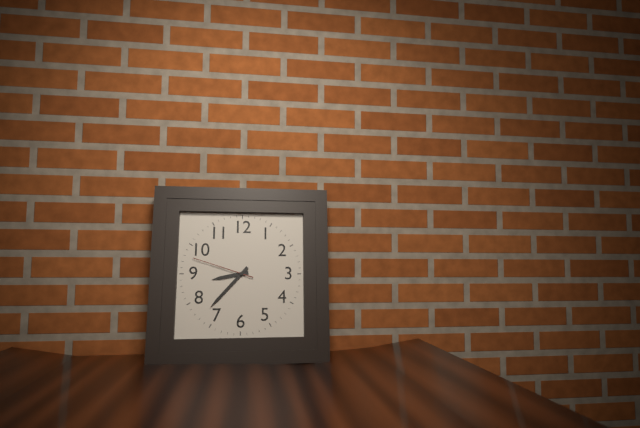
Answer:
**8:37:48**
